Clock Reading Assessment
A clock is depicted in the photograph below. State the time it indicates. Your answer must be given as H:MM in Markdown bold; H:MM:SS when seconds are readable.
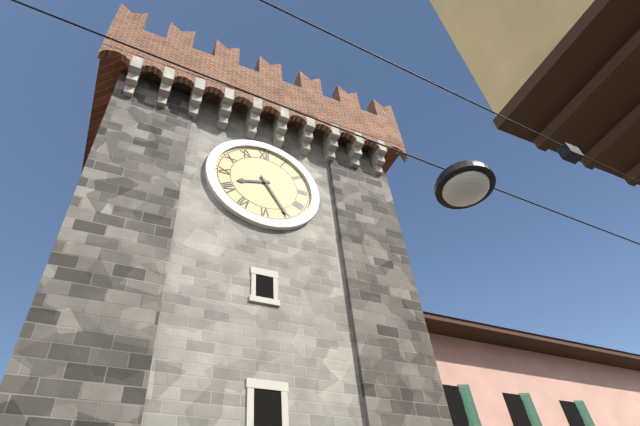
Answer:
**8:25**
